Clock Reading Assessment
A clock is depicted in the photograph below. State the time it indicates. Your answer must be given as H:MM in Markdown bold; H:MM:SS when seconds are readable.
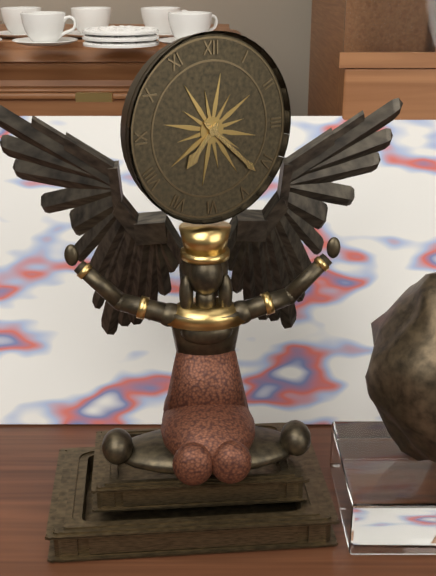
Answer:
**7:22**
